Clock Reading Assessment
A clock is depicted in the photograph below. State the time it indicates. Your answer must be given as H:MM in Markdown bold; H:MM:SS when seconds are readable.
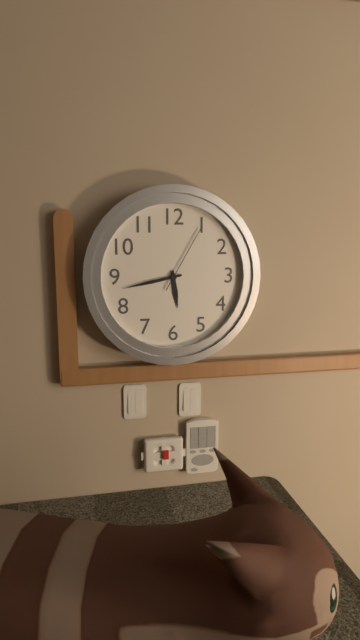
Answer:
**5:43:05**
